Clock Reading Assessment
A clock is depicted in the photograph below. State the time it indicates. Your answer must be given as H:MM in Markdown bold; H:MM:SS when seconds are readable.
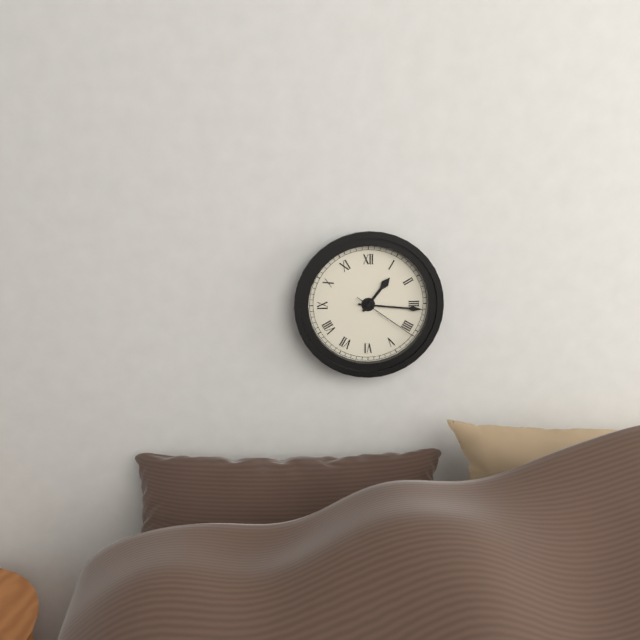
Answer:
**1:16:21**
